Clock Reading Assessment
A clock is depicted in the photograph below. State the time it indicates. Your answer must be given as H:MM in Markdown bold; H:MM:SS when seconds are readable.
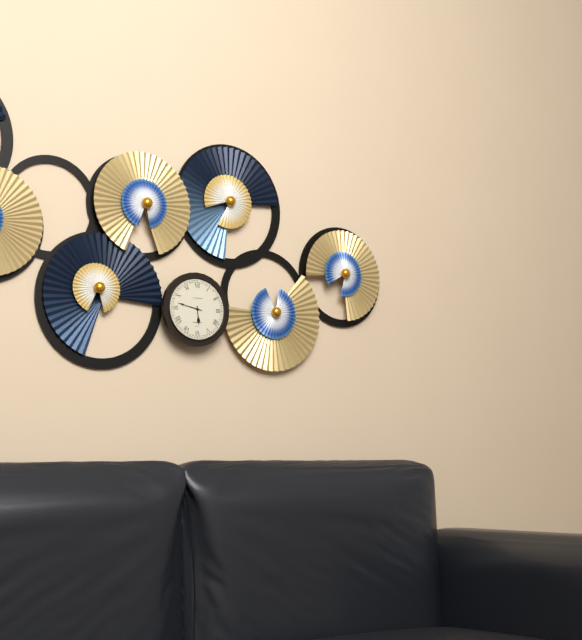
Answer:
**5:47**
